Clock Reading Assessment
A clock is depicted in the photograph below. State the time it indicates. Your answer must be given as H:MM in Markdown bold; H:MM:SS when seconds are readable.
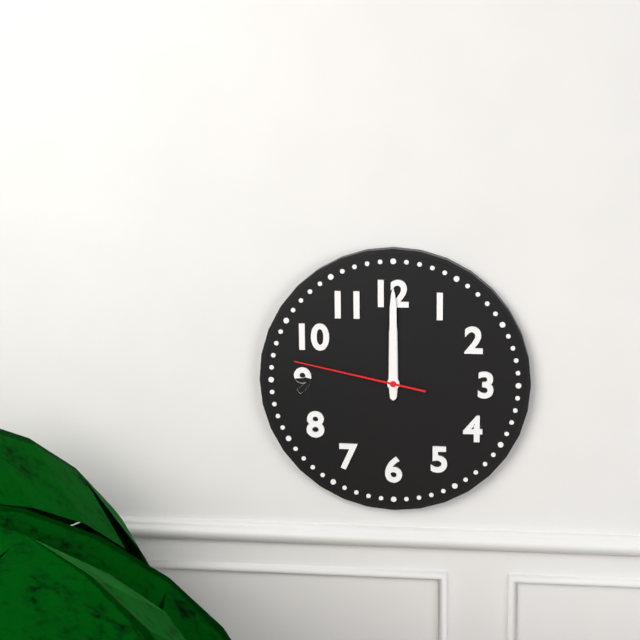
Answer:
**12:00:47**
